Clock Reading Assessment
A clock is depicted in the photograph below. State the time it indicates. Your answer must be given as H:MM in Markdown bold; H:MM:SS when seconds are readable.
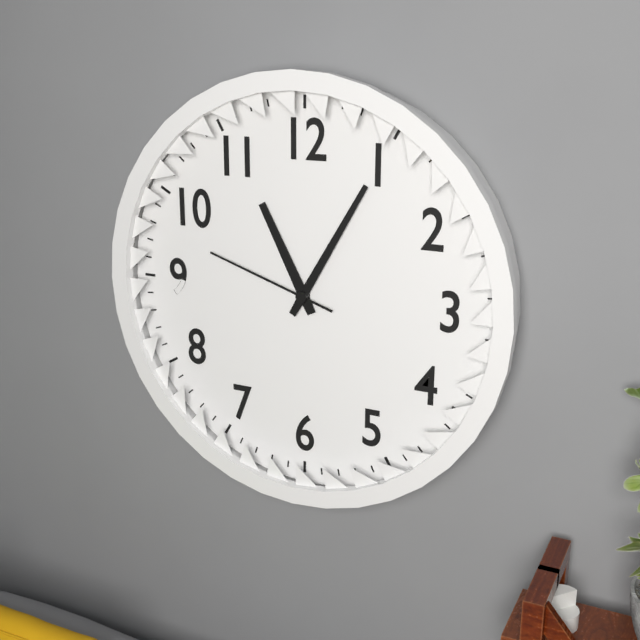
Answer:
**11:05:48**
